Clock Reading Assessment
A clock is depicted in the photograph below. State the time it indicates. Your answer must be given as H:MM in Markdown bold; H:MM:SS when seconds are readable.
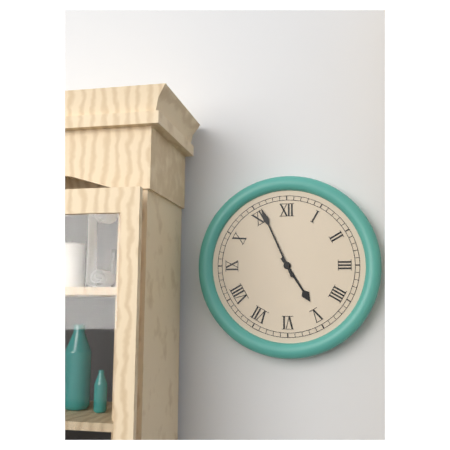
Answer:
**4:56**
